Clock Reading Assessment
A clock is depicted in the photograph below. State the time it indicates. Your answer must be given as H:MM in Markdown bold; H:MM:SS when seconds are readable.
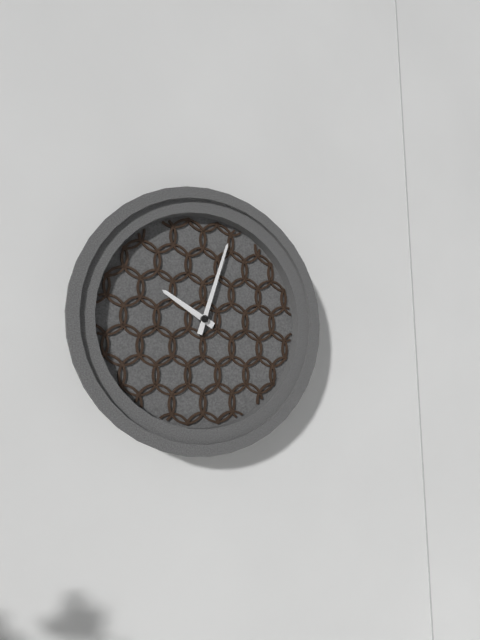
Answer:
**10:03**
